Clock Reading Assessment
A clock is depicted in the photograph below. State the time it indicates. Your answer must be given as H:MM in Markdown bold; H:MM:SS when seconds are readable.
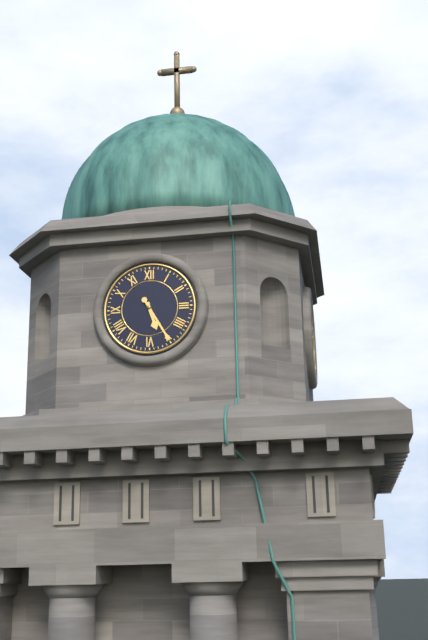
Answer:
**5:25**
